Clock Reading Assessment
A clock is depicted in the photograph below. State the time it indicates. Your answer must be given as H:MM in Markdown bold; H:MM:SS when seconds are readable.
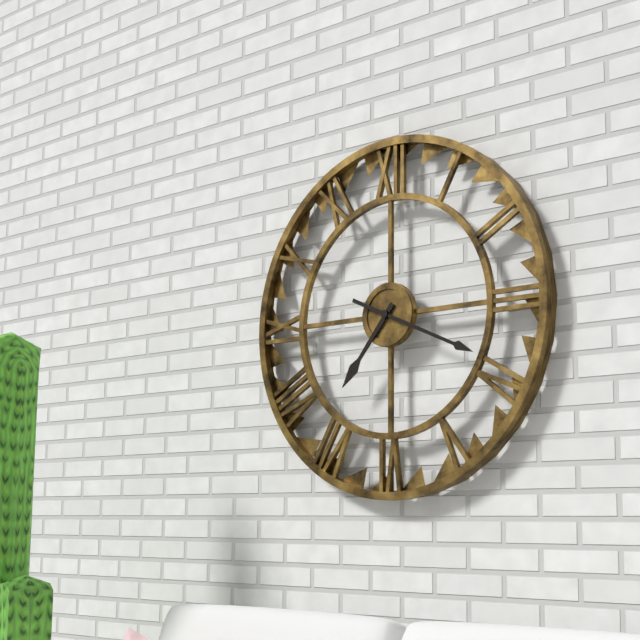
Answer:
**7:19**
